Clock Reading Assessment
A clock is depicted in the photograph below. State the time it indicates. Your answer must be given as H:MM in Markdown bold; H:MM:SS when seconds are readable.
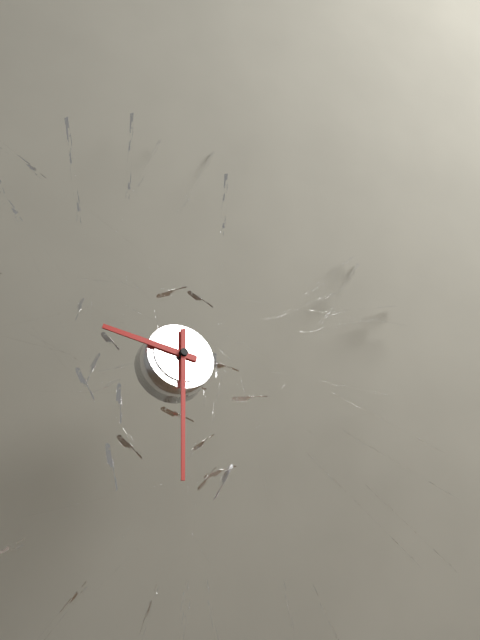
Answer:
**9:31**
